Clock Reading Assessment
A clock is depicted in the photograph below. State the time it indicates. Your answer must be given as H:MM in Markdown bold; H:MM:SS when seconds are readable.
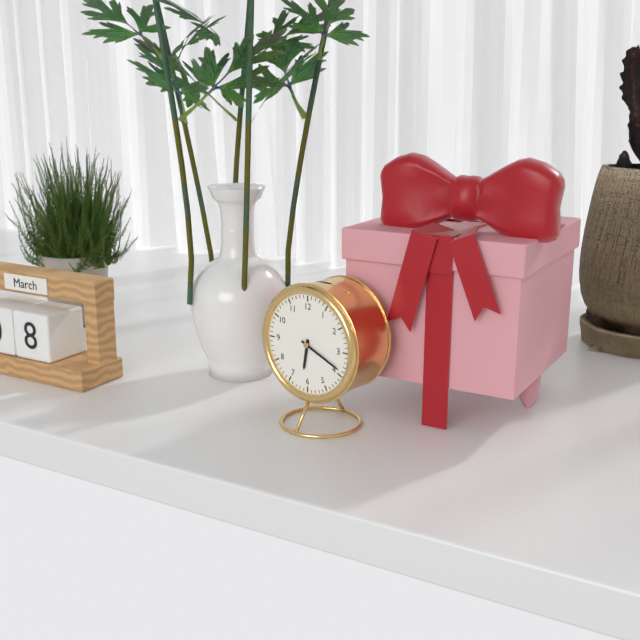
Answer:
**6:19**
